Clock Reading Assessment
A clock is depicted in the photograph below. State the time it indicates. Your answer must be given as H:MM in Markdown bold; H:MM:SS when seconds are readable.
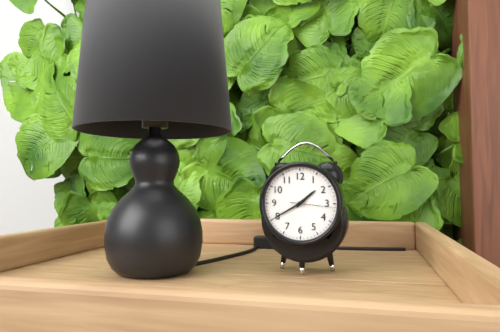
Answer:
**1:40**
